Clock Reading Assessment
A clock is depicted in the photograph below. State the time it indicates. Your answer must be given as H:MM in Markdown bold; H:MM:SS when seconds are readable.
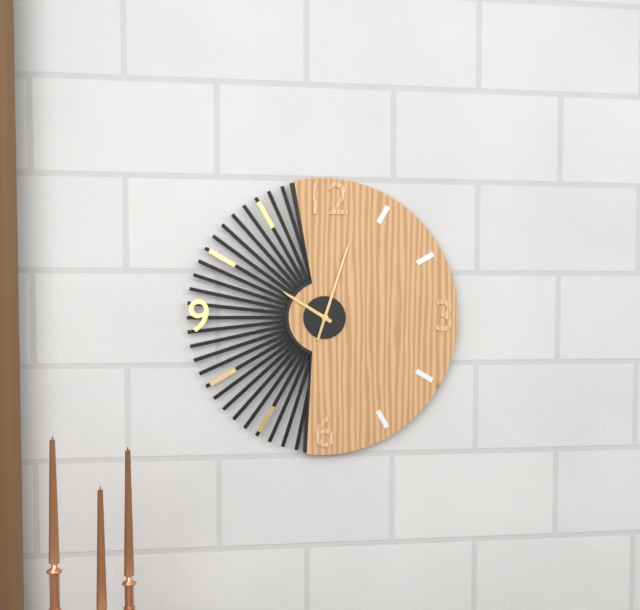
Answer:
**10:03**
